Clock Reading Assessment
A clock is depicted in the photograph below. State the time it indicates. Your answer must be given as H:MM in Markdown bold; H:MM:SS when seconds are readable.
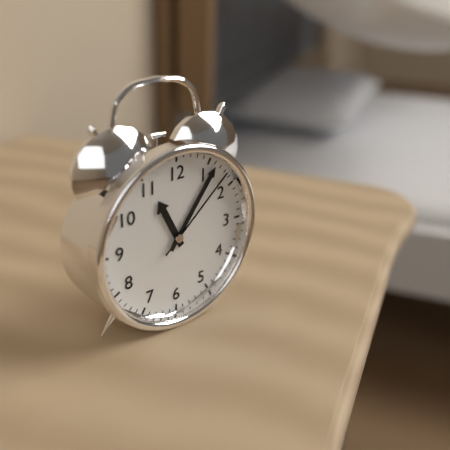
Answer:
**11:06:08**
